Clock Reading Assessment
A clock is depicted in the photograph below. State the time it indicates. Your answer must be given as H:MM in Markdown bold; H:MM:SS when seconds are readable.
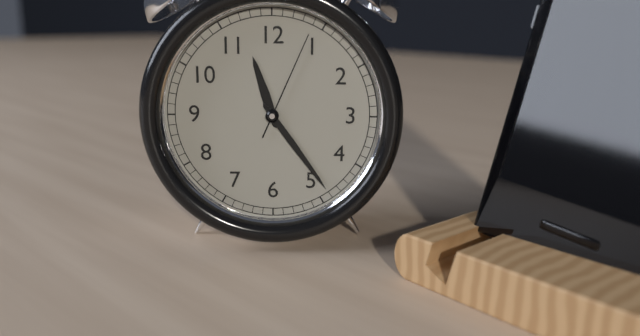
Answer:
**11:24:04**
